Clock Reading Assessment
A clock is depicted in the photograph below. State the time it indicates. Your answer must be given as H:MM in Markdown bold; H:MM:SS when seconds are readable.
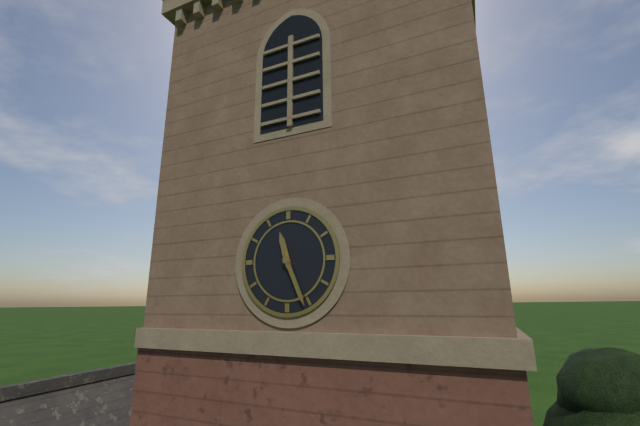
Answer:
**11:26**
